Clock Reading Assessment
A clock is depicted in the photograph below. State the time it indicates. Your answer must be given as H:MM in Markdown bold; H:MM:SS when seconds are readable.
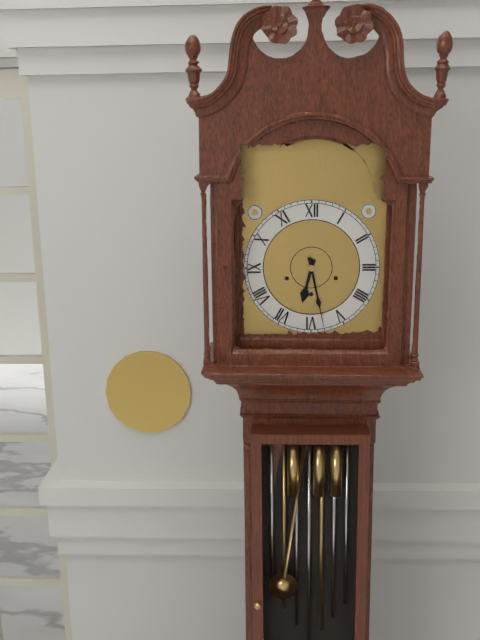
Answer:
**6:28**
